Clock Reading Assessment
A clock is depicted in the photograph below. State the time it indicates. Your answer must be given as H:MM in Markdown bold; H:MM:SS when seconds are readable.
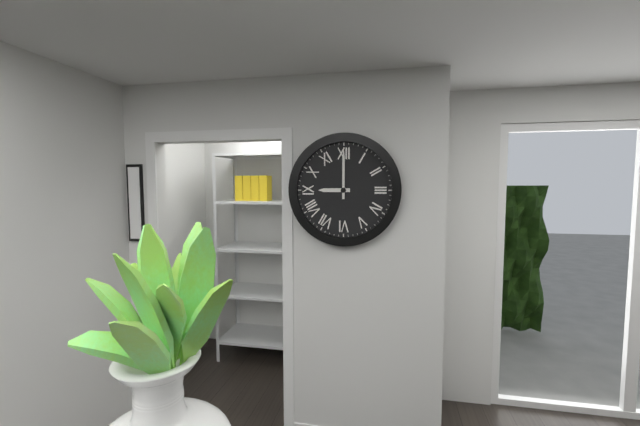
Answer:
**9:00**
